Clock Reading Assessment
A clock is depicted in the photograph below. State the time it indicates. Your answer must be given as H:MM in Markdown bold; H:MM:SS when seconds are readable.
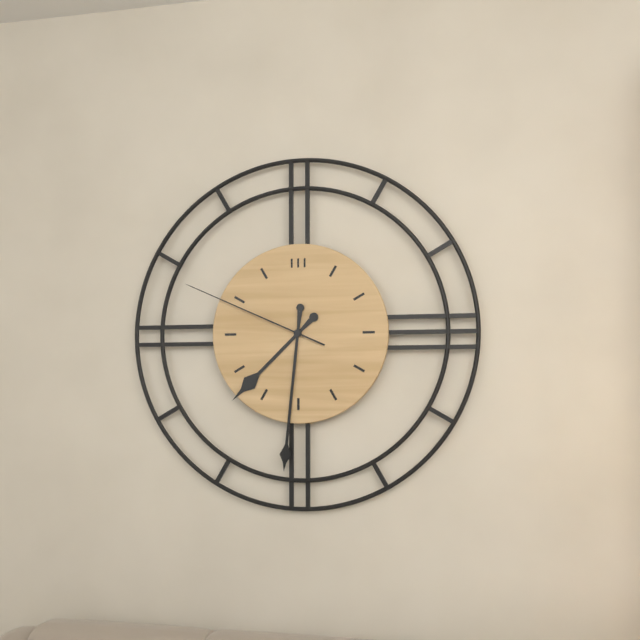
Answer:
**7:31:49**
